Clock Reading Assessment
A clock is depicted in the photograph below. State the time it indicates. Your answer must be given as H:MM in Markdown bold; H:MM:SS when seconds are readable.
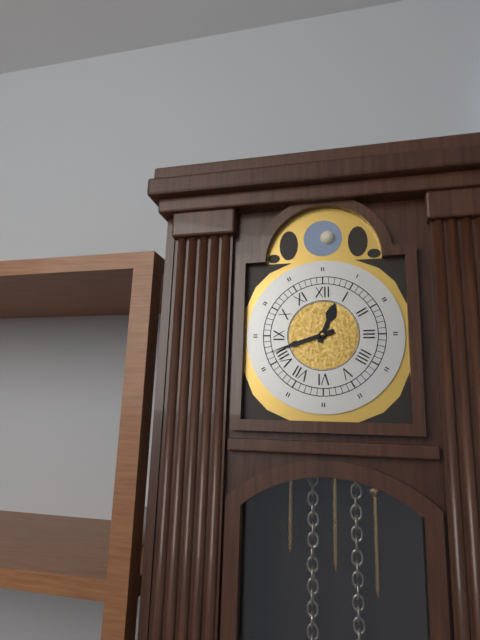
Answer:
**12:42**
